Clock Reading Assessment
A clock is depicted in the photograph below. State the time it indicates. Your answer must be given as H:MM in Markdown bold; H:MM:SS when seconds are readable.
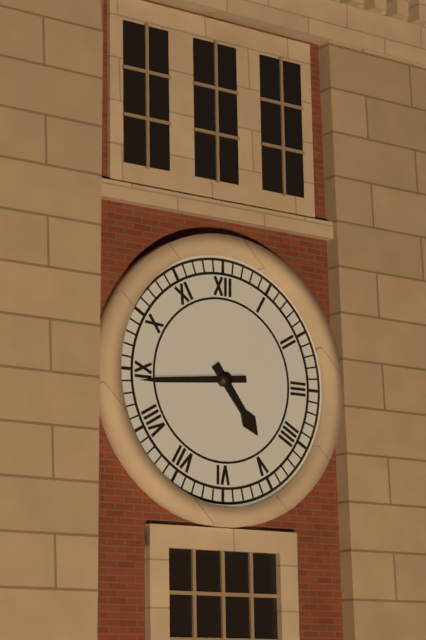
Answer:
**4:44**
